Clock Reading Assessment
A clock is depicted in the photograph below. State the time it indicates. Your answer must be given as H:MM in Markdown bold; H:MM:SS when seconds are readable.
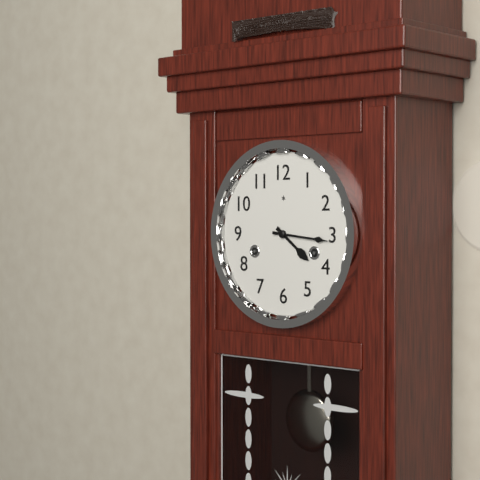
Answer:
**4:16**
